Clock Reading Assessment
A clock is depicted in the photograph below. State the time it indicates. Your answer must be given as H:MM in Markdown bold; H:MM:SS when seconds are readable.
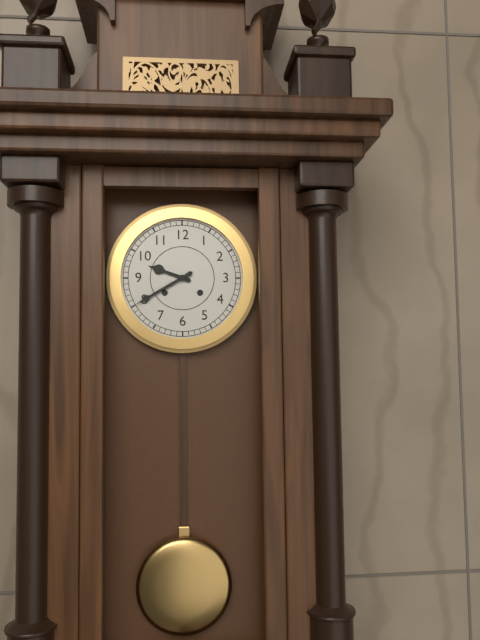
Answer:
**9:40**
